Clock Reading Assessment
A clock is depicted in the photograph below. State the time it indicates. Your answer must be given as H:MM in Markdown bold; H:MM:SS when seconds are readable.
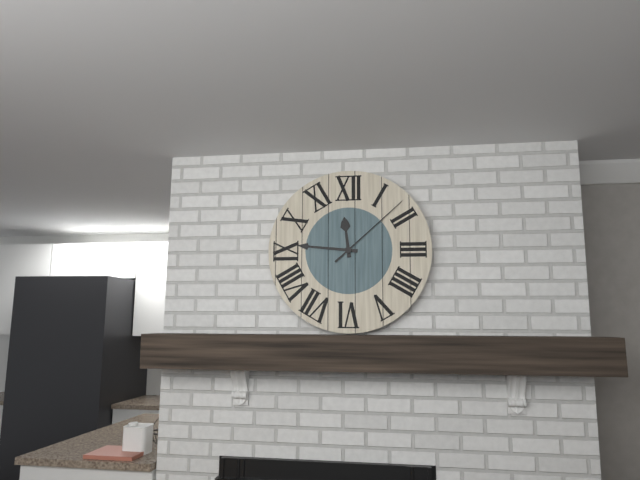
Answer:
**11:46:08**
